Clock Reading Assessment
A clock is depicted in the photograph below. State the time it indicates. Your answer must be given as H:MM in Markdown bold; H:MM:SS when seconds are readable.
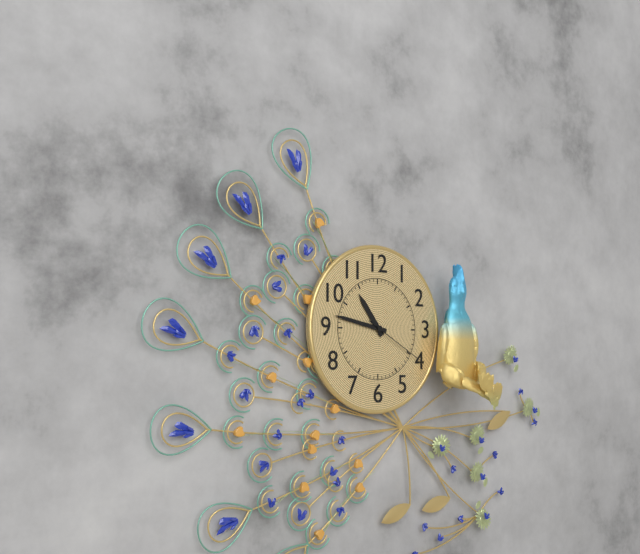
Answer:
**10:47:20**
